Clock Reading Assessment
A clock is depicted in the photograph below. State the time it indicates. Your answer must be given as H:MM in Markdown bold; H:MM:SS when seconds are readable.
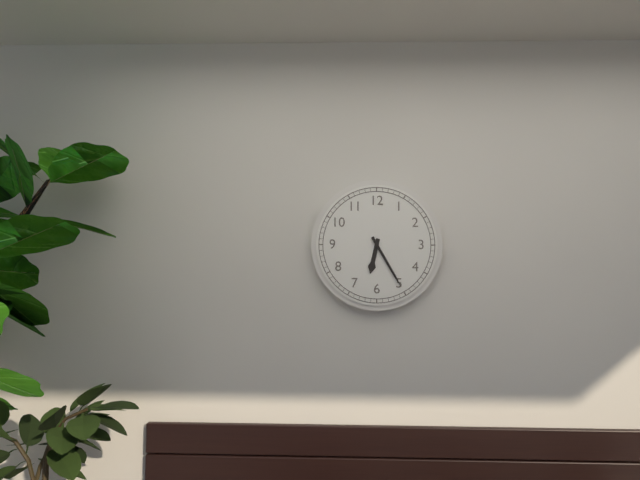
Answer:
**6:25**
